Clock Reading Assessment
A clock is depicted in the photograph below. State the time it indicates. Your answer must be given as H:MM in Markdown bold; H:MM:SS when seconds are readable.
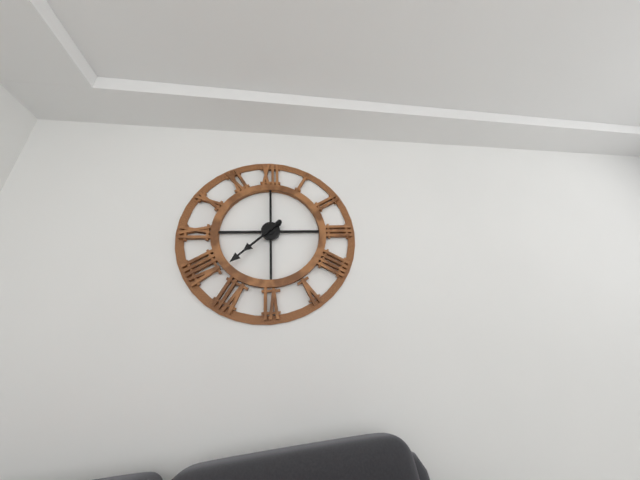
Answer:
**7:38**
